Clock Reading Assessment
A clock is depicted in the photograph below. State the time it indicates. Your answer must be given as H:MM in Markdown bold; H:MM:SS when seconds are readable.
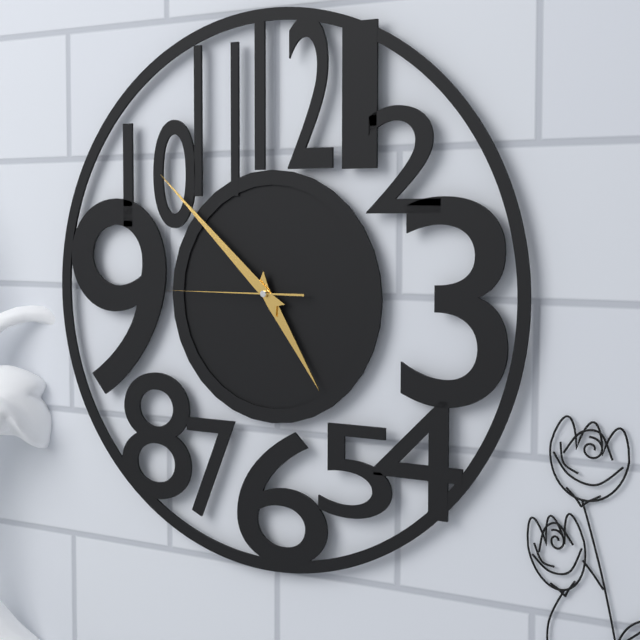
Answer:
**4:52:45**
